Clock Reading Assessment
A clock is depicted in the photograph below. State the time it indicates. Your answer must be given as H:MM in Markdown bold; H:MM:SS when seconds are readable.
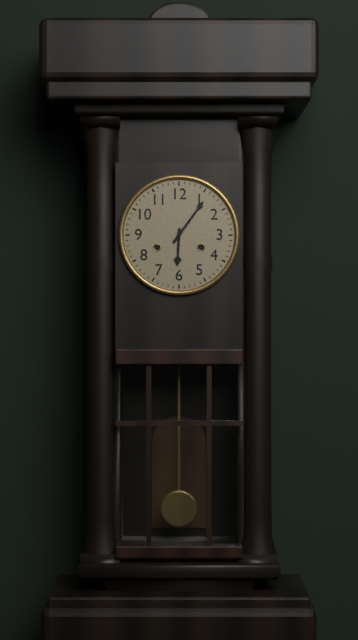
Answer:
**6:06**
